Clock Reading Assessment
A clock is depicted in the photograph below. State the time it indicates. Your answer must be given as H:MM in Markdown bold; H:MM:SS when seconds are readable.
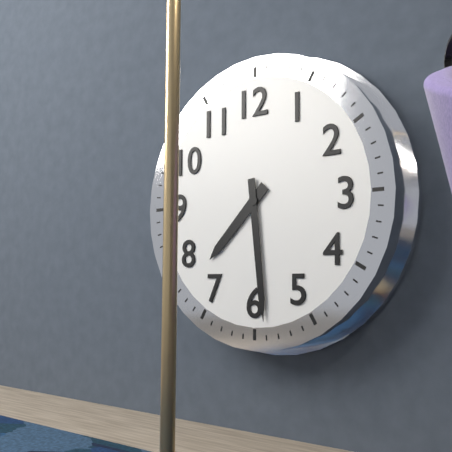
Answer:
**7:29**
